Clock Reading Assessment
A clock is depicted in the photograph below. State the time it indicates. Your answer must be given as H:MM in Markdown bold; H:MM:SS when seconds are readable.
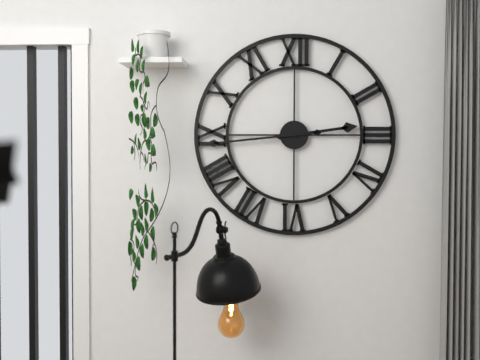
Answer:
**2:44**
